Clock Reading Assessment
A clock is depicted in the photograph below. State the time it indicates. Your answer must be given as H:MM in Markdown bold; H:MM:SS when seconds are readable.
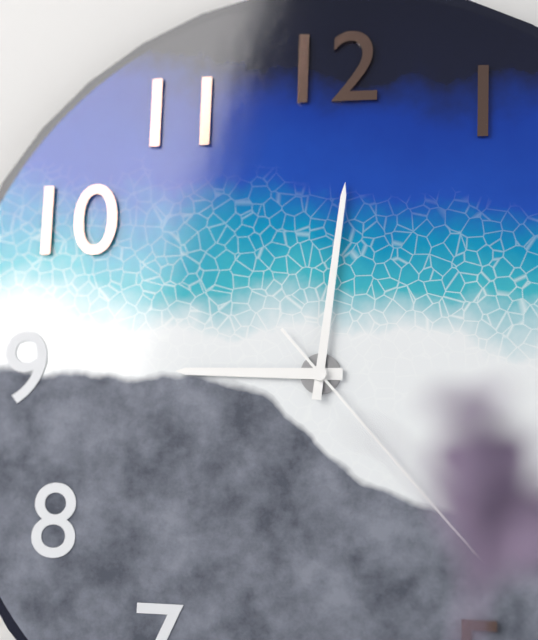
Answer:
**9:01:23**
